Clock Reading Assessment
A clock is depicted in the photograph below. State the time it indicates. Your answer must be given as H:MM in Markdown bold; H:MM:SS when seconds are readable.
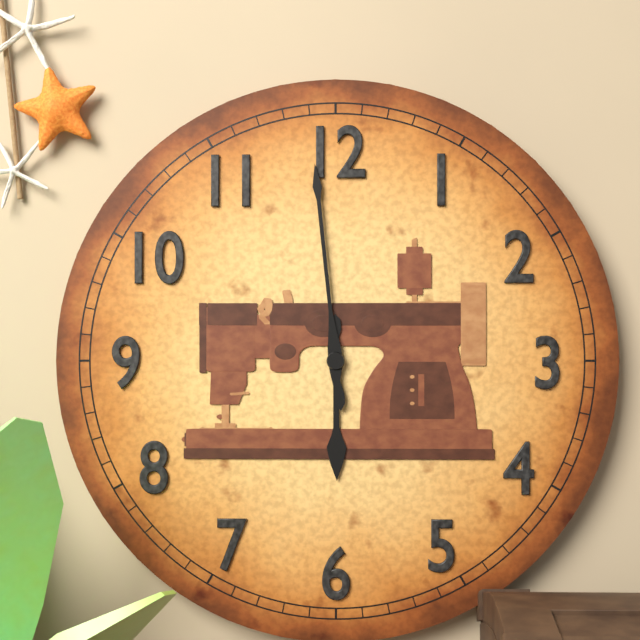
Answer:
**5:59**
